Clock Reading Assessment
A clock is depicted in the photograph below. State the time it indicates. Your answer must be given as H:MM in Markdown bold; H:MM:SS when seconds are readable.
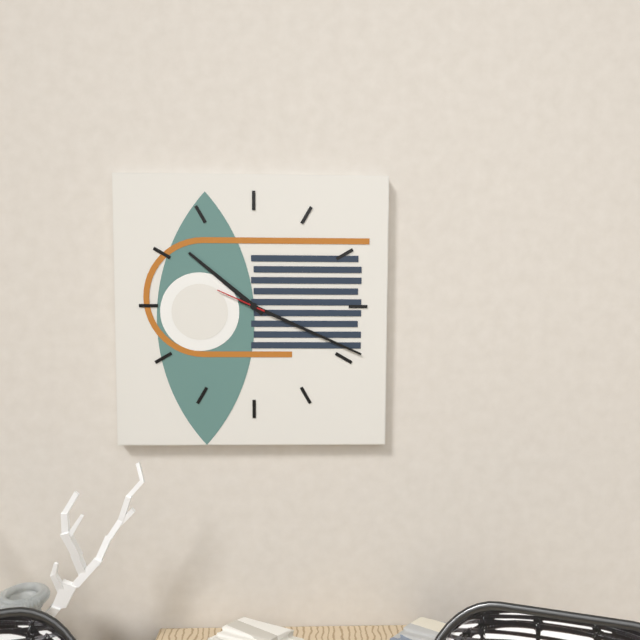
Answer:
**10:19:49**
